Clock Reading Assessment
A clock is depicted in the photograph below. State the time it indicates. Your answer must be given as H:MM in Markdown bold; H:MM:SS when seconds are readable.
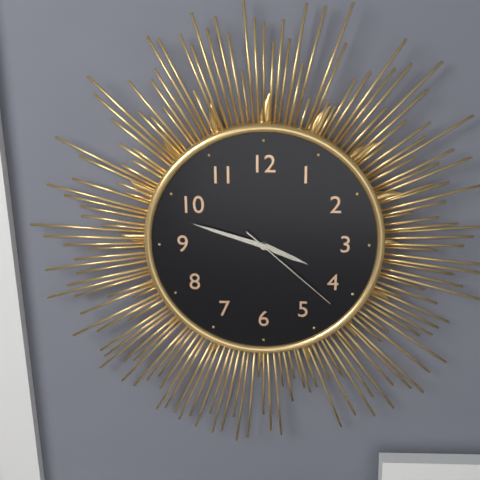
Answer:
**3:48:22**
